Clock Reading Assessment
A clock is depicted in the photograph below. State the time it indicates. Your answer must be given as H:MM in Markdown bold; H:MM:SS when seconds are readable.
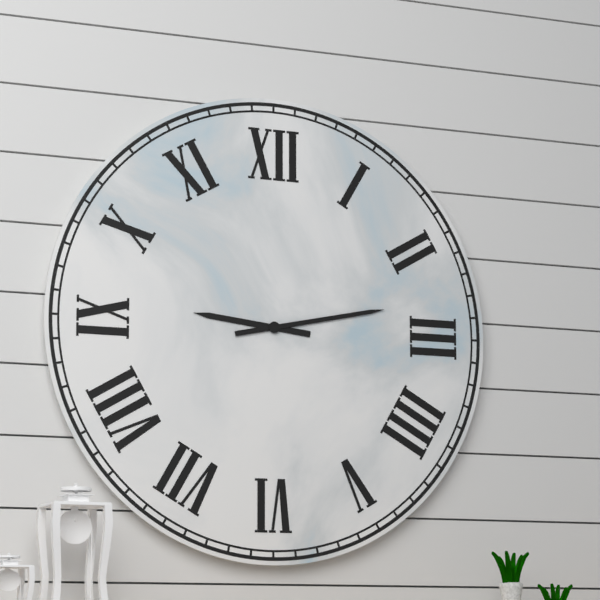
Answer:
**9:13**
